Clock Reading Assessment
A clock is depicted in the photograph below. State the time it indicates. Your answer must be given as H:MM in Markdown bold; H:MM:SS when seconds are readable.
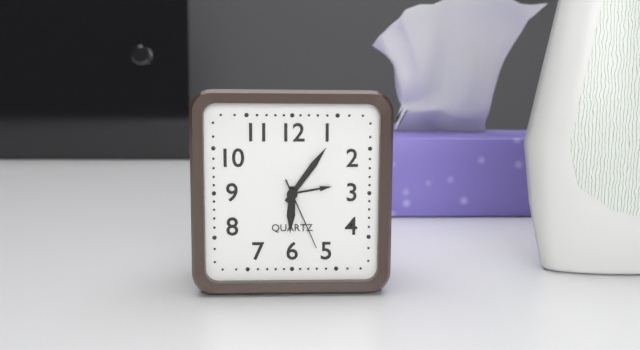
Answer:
**6:06:26**
